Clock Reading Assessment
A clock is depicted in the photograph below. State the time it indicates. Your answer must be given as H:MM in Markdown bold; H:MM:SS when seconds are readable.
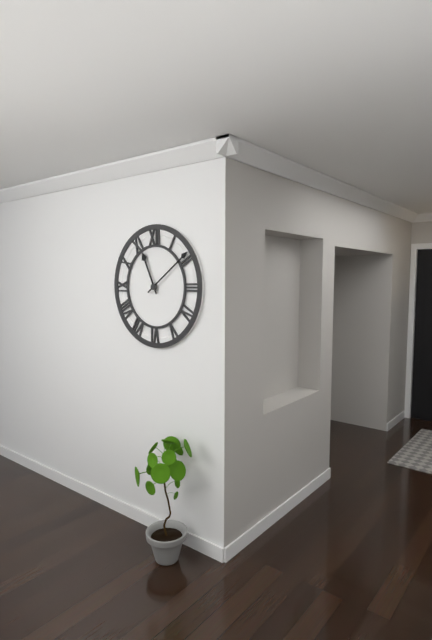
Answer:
**11:09**
